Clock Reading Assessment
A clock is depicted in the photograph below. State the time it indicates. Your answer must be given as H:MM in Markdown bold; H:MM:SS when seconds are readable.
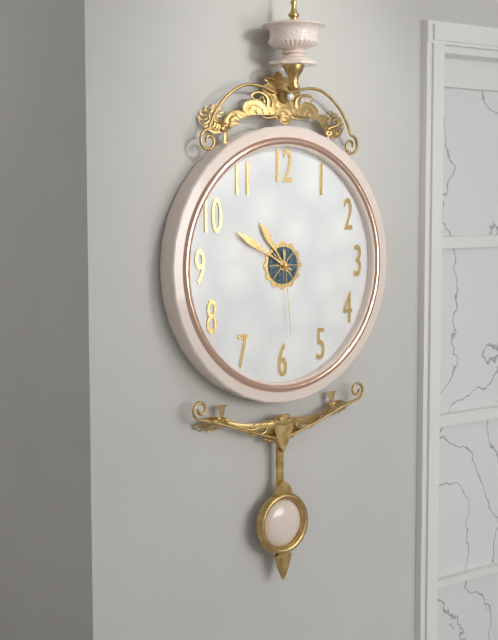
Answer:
**10:50:29**
